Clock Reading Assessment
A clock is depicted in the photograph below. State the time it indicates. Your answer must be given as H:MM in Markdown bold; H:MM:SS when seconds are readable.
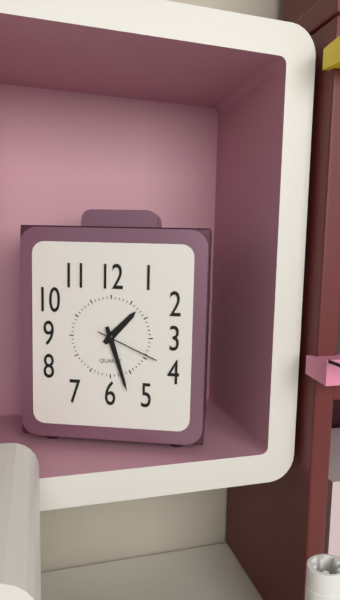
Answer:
**1:27:19**
